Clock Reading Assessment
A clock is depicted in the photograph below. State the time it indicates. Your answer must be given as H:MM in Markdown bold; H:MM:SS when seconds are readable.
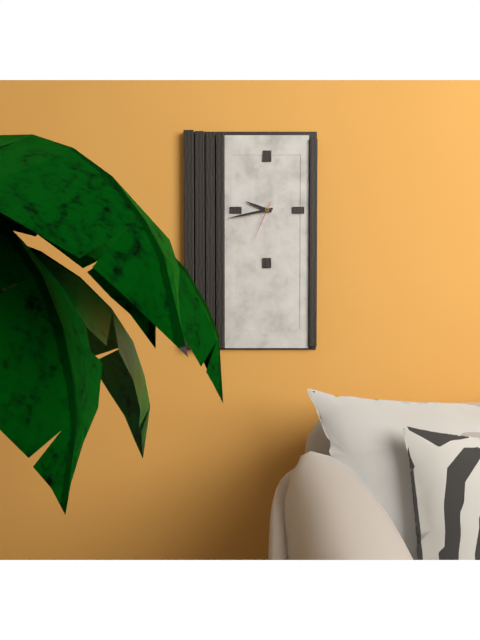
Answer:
**9:43**
